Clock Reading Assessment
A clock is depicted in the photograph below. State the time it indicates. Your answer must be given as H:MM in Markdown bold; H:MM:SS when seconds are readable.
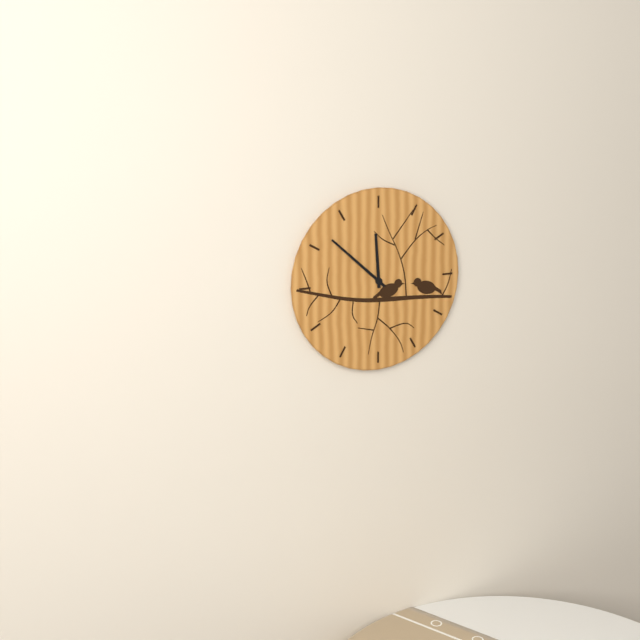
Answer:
**11:52**
